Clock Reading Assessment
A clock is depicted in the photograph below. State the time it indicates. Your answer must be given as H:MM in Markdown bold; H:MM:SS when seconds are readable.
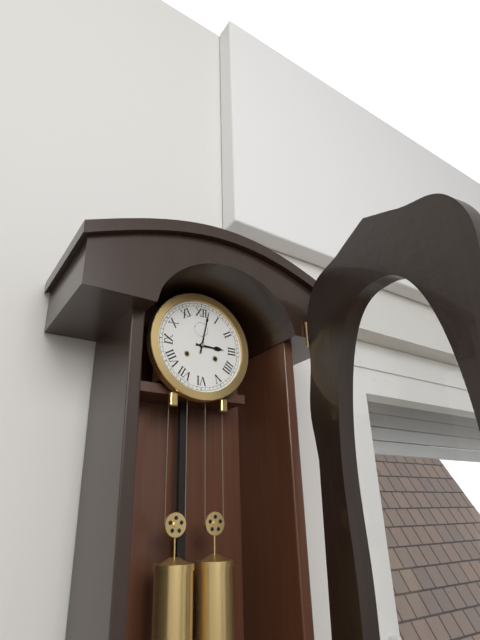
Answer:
**3:02**
